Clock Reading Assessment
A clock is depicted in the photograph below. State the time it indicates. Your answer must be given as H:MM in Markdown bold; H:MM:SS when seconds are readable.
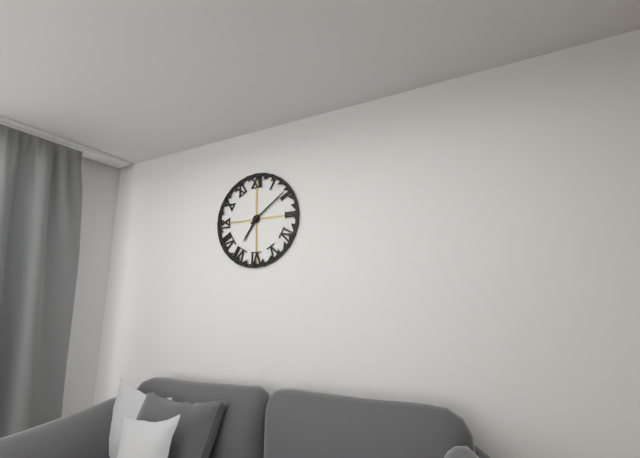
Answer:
**7:09**
